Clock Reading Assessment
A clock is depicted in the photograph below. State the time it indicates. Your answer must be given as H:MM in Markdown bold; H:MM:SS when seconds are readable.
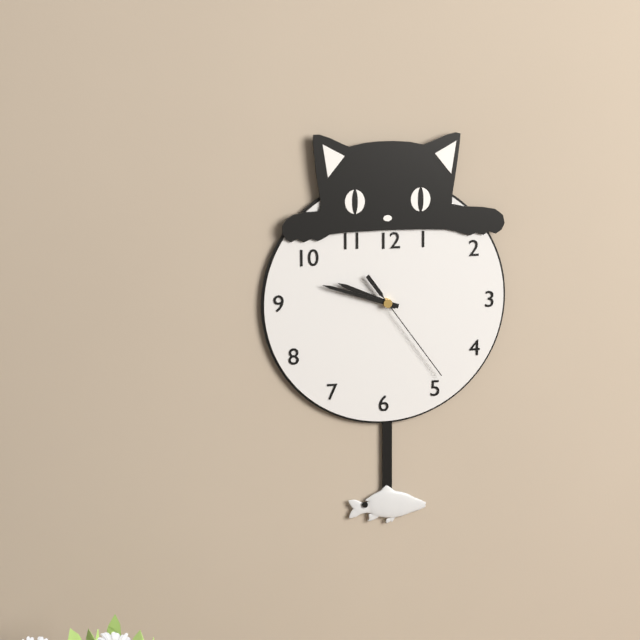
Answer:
**9:48:24**
